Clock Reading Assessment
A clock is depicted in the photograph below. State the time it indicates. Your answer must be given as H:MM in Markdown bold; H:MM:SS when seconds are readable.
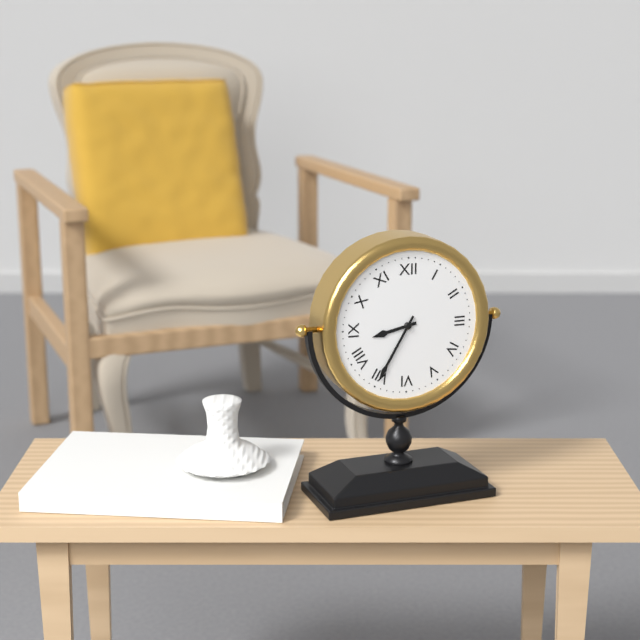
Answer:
**8:35**
